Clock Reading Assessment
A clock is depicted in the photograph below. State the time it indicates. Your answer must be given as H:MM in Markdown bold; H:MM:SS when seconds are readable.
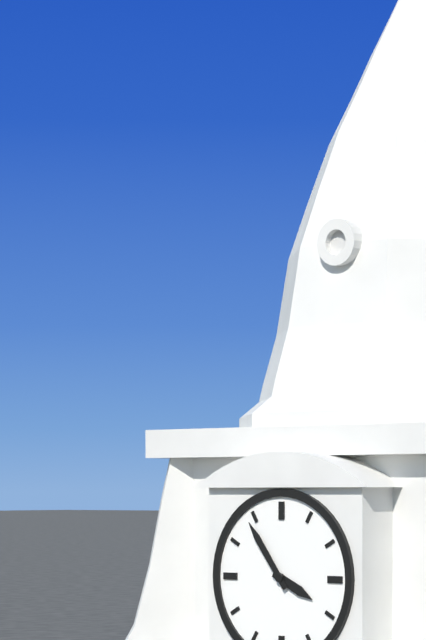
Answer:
**3:54**
